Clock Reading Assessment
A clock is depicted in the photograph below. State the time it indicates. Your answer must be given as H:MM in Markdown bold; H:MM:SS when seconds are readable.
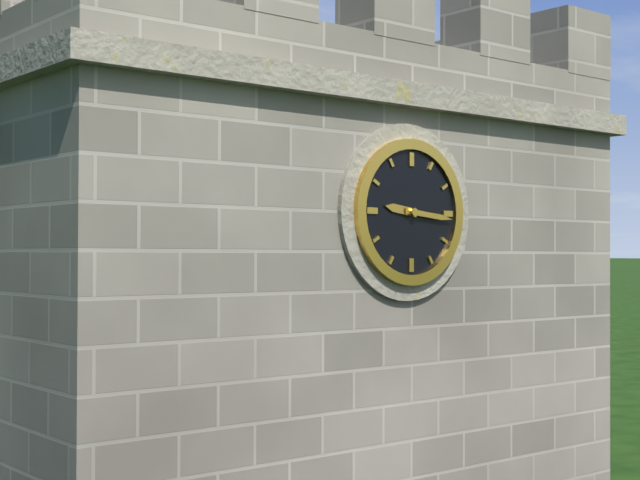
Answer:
**9:16**
